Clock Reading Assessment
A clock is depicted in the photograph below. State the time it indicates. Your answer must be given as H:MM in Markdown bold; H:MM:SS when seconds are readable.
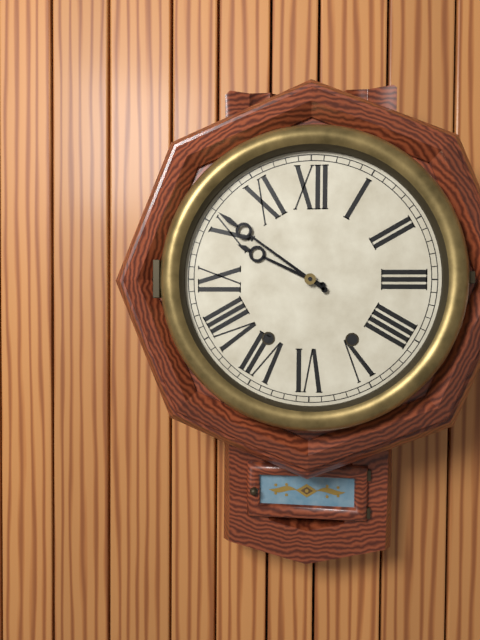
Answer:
**9:51**
